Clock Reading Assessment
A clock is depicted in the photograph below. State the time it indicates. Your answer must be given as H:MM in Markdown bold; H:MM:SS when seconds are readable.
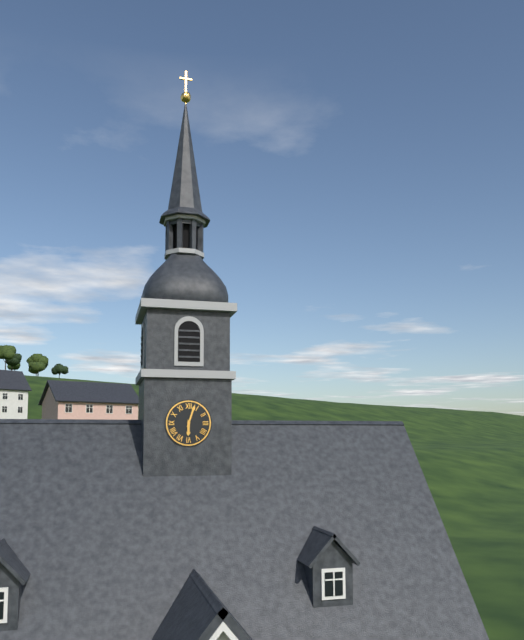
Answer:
**6:03**
